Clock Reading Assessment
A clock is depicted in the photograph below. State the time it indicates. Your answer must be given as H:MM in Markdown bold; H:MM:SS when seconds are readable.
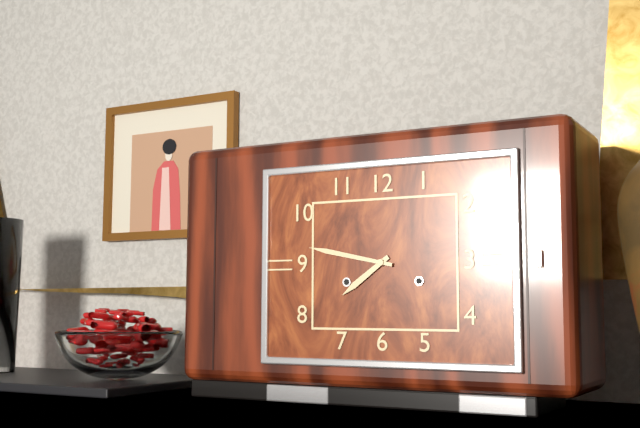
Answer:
**7:47**
